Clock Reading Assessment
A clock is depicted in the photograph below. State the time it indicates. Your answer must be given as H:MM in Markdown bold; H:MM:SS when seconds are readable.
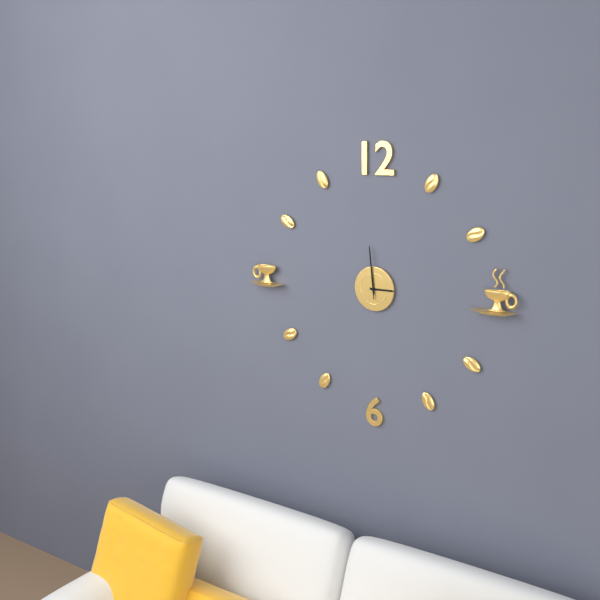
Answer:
**2:59**
